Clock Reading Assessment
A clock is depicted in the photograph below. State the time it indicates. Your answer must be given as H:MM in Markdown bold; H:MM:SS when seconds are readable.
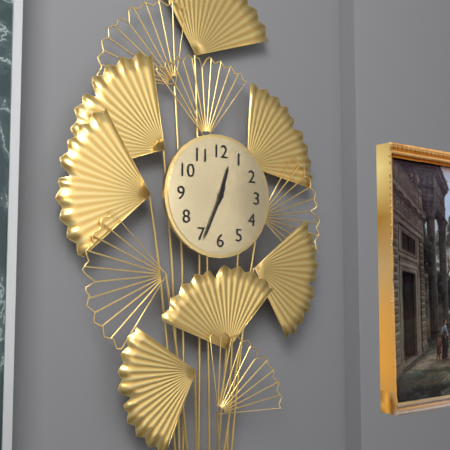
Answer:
**12:34**
